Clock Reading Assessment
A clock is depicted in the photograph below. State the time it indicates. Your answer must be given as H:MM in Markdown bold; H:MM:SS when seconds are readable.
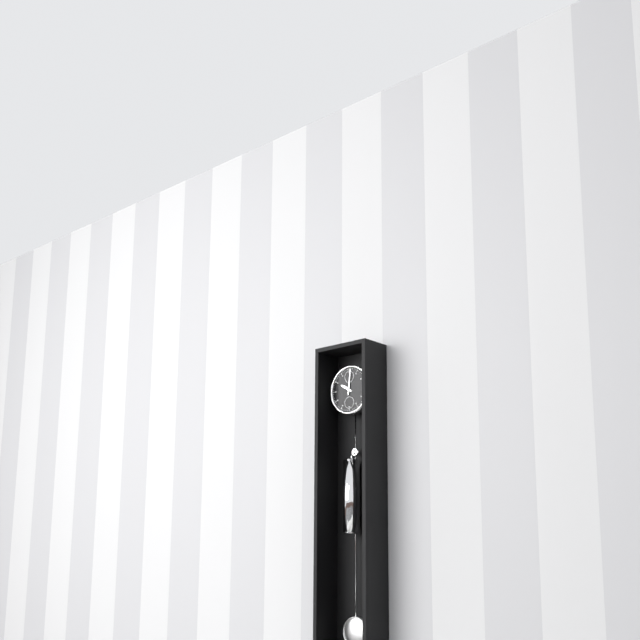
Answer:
**10:01**
